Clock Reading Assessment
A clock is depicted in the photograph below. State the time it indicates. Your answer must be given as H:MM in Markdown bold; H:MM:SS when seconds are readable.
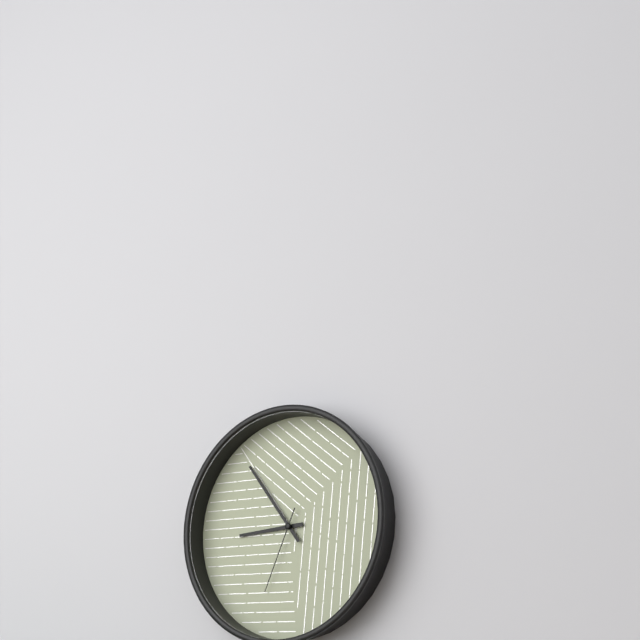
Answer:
**8:54:34**
